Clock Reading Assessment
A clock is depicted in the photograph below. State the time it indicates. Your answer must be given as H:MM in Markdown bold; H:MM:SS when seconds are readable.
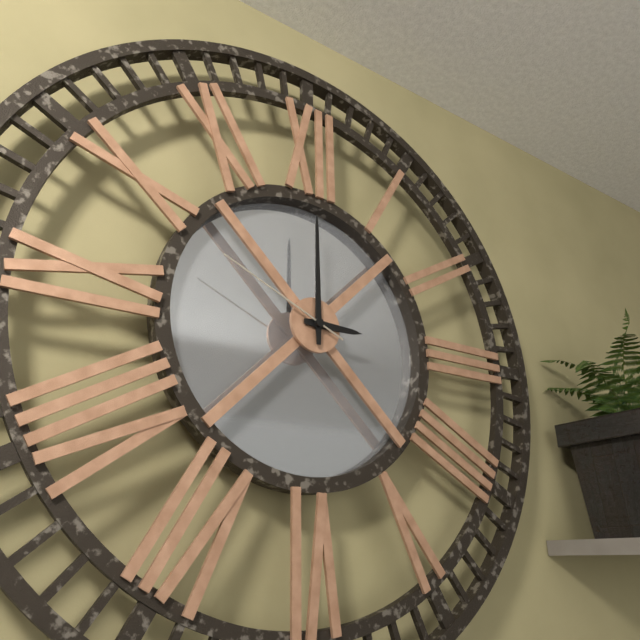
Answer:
**3:00:49**
